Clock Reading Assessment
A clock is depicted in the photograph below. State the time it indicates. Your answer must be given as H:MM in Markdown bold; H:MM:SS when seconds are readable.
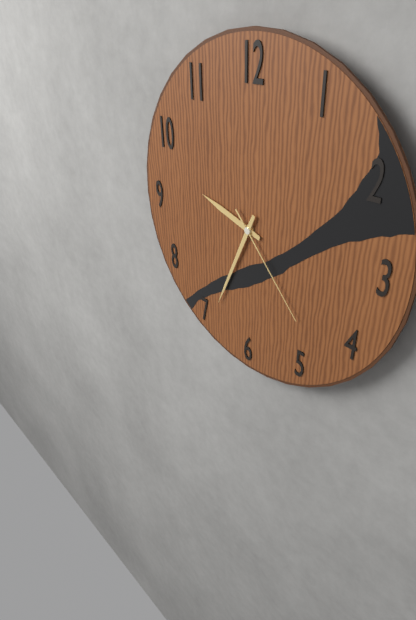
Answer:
**9:34:23**
